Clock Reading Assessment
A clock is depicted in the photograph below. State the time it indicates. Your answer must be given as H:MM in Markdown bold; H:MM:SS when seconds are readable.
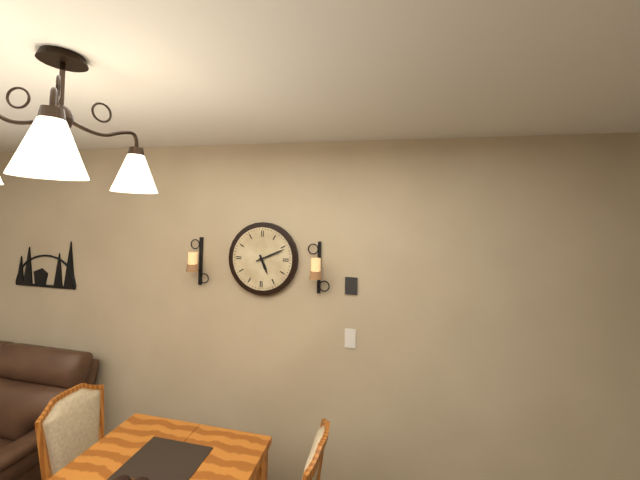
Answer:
**5:11**
